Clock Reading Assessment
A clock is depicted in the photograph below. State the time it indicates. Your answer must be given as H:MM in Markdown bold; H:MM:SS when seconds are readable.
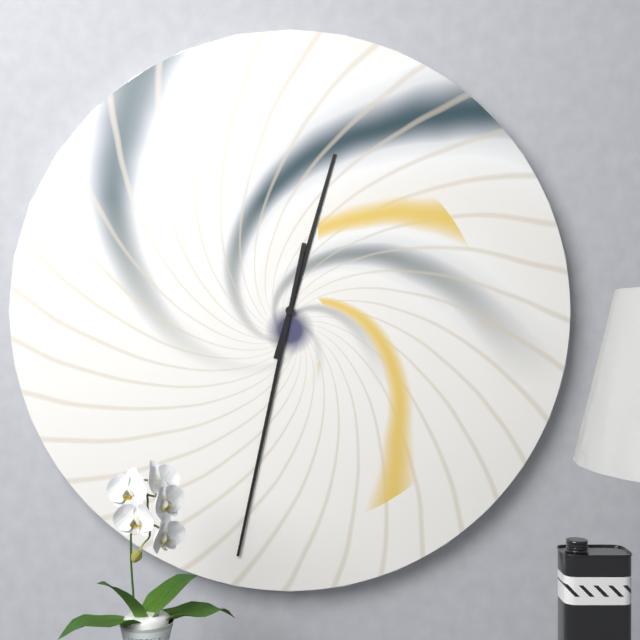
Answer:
**12:32**
